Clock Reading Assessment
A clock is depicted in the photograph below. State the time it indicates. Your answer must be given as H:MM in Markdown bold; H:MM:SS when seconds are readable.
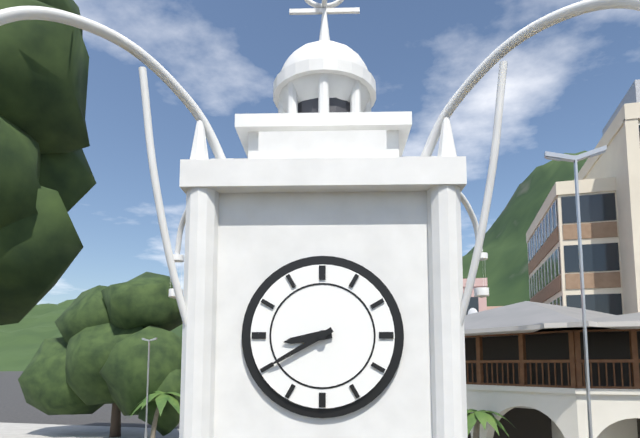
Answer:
**8:40**
